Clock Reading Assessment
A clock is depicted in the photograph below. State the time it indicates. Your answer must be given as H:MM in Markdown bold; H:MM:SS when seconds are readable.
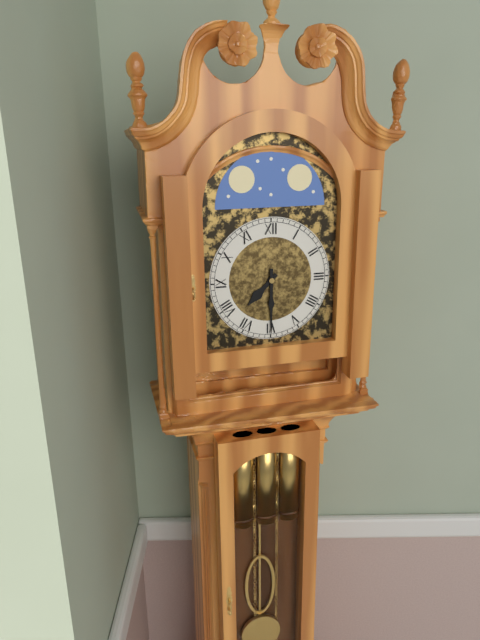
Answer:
**7:30**
